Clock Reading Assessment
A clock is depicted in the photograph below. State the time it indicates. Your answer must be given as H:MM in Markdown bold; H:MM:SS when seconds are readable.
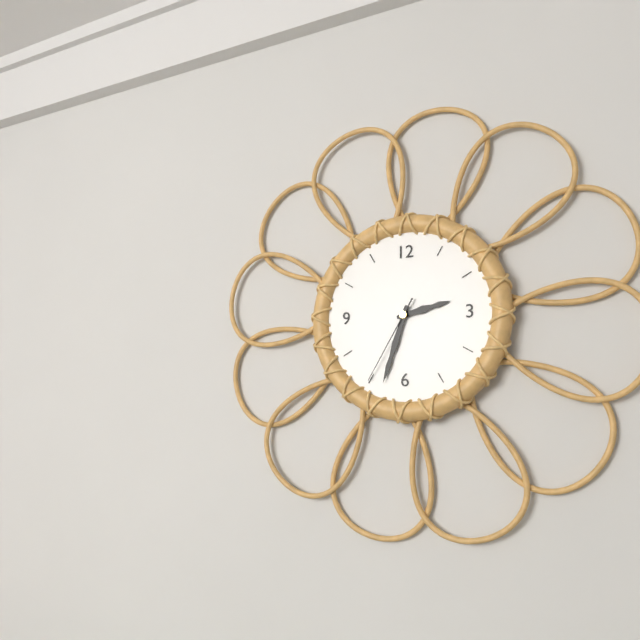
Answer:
**2:33:35**
